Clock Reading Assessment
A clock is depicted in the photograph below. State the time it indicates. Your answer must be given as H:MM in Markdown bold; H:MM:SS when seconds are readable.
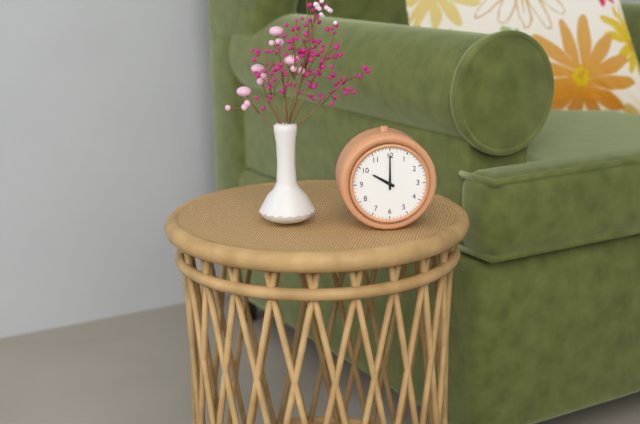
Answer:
**10:00**
